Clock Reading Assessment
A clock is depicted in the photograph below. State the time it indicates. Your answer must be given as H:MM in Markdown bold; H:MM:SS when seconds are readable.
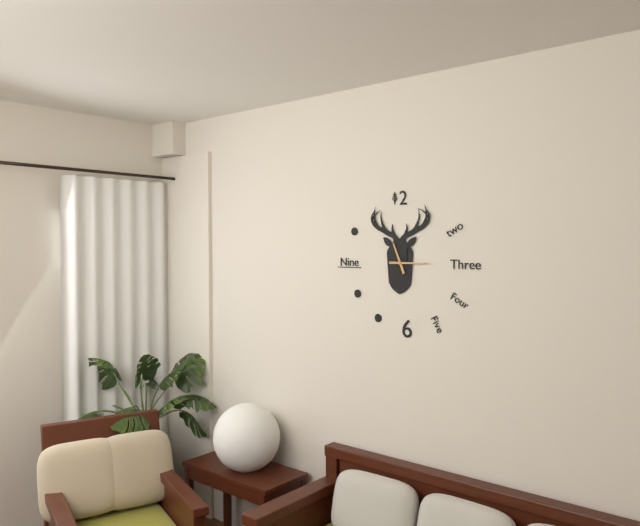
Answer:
**11:15**
